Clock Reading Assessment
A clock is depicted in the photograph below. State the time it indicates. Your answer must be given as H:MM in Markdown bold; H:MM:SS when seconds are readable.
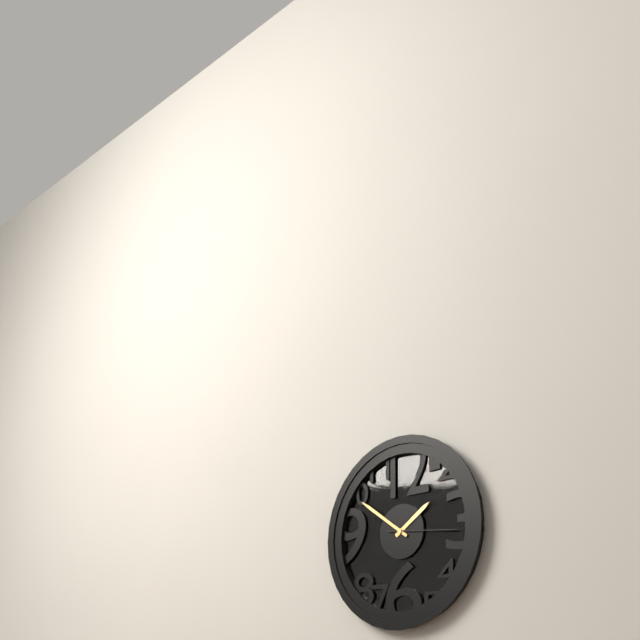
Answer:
**1:51:16**
